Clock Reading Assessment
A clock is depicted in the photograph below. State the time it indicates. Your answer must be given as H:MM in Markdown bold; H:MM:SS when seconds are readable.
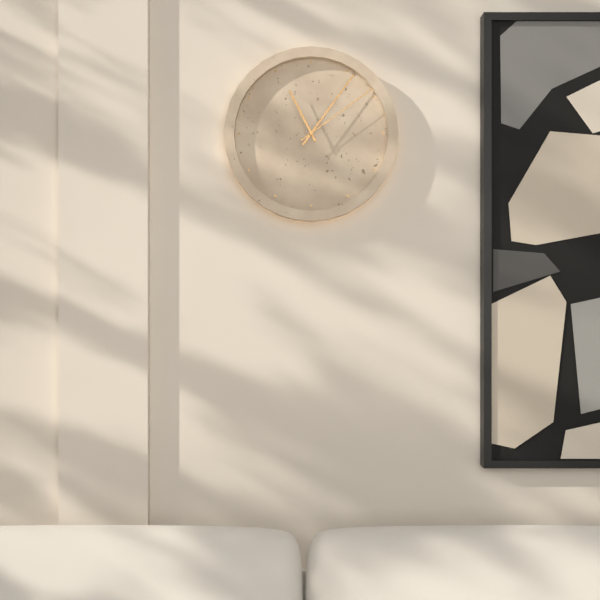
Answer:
**11:06:09**
